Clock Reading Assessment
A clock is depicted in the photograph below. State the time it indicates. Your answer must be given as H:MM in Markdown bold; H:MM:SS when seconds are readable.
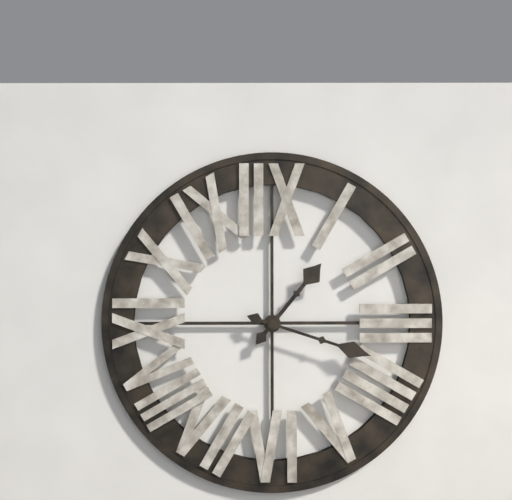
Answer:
**1:18**
